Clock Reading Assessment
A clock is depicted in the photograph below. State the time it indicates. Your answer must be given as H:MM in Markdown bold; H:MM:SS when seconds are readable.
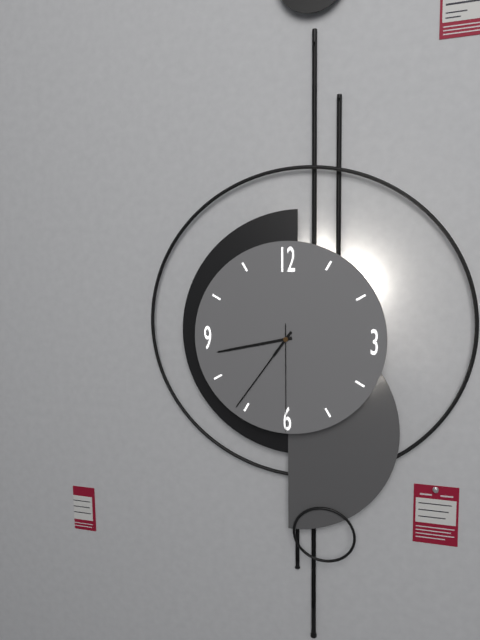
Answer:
**8:36:30**
